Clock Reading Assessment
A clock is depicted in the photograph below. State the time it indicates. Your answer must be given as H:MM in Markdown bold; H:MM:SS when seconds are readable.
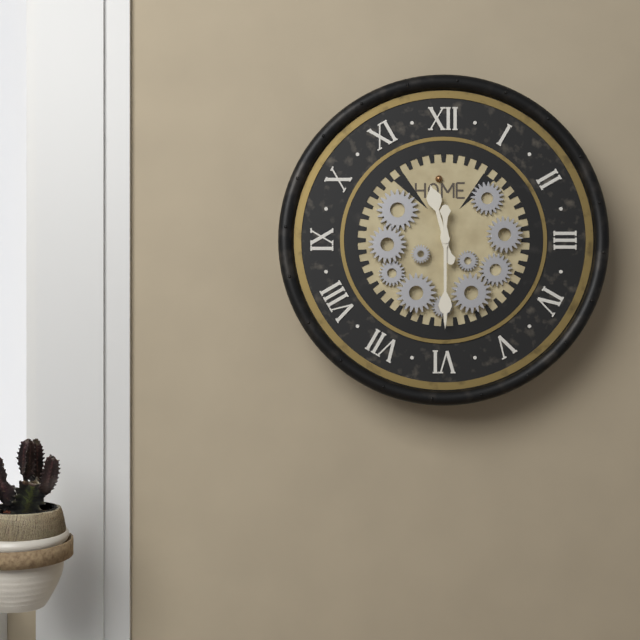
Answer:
**11:30**
